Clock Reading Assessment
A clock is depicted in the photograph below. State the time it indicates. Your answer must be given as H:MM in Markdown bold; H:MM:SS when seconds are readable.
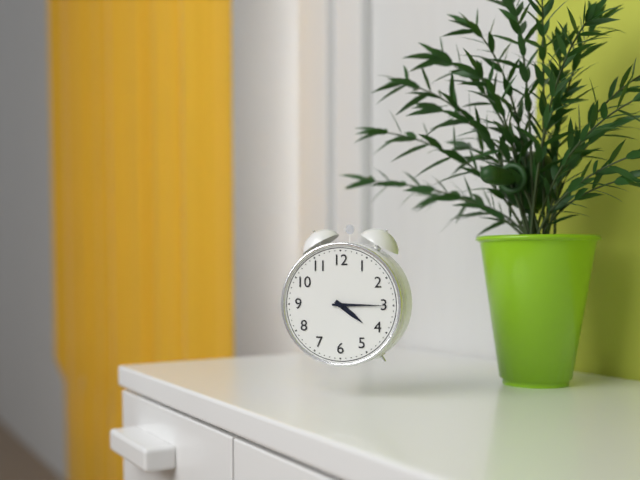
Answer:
**4:15**
